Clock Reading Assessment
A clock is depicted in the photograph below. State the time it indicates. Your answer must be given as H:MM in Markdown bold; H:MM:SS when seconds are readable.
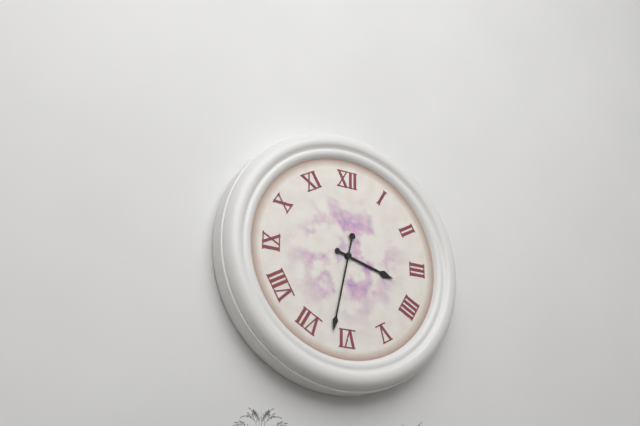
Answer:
**3:32**
